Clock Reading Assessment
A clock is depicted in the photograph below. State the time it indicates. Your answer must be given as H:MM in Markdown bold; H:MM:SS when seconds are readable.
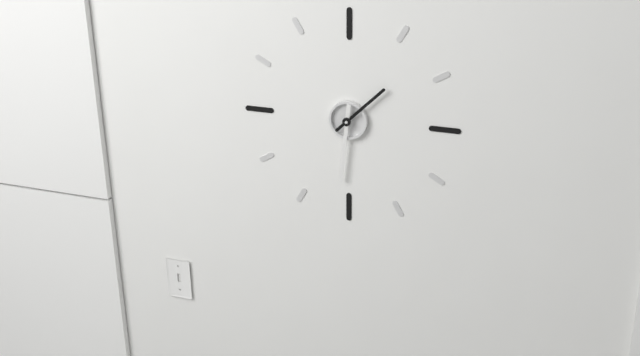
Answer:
**1:31**
